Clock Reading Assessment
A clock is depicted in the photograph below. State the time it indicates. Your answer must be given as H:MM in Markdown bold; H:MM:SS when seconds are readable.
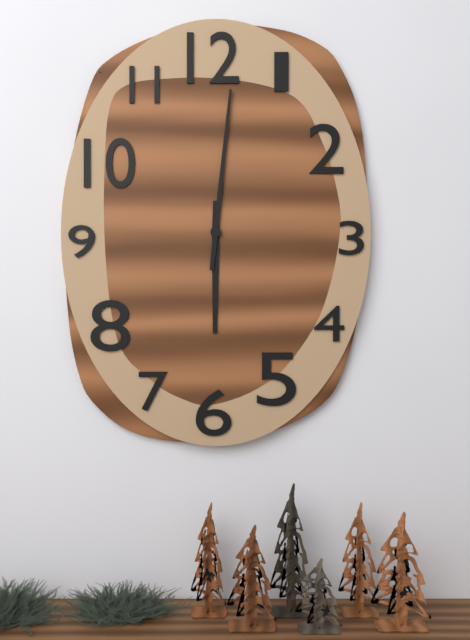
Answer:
**6:01**
